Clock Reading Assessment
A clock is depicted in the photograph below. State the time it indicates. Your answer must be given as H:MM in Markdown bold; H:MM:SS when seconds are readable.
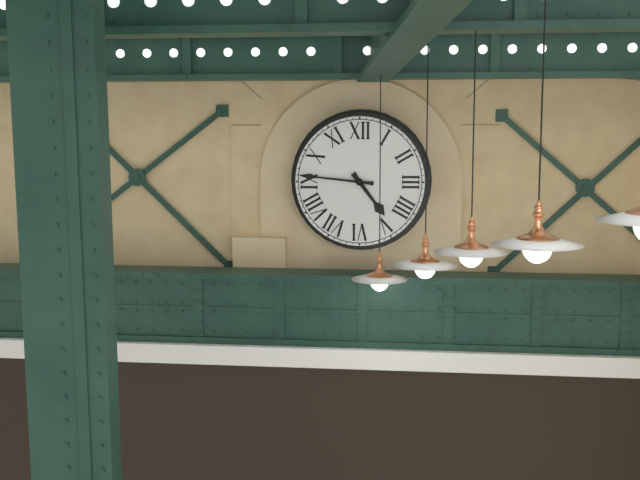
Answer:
**4:46**
